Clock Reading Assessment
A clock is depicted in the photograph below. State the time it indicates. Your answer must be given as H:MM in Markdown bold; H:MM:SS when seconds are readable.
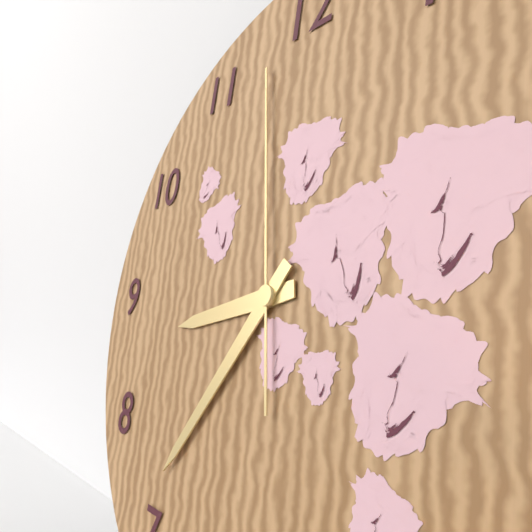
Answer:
**8:36:58**
